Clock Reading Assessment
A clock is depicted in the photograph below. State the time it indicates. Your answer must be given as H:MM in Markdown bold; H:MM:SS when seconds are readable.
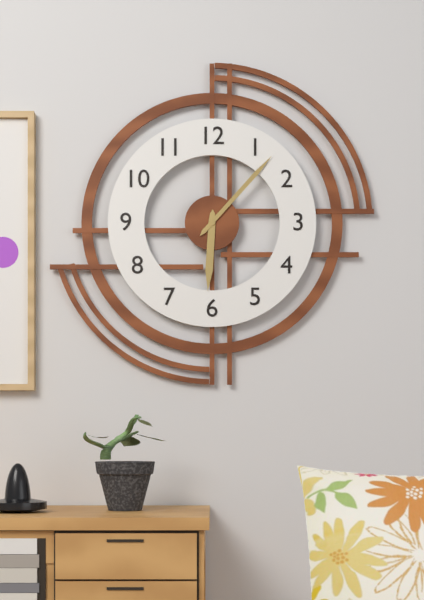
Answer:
**6:07**
